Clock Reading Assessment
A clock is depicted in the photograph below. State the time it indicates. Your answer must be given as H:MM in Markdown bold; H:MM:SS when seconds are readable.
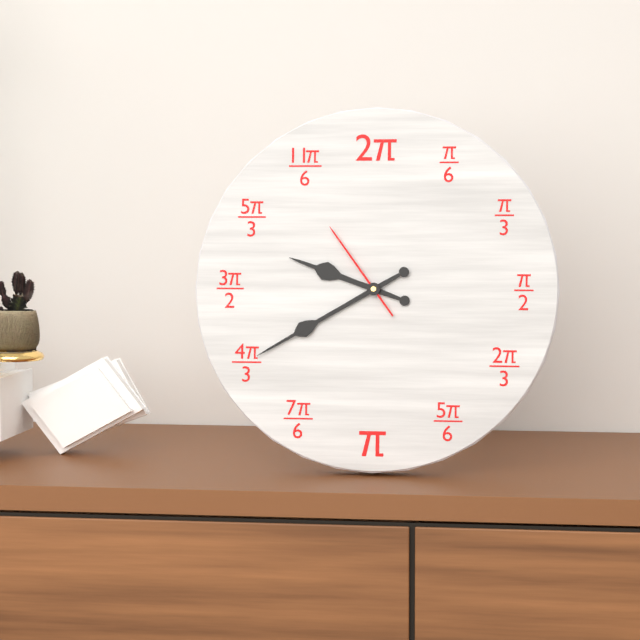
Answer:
**9:40:54**
